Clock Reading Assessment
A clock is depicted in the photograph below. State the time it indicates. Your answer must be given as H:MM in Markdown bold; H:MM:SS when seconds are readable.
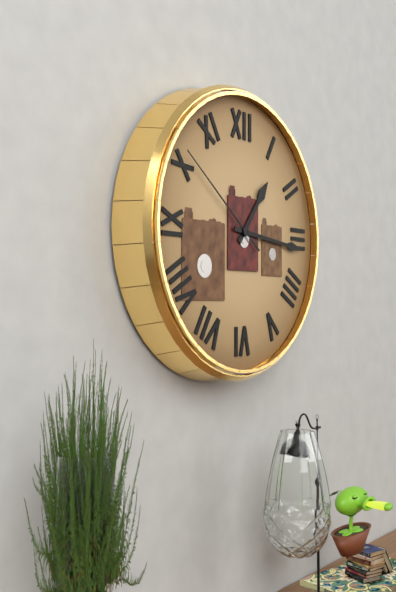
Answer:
**1:16:51**
